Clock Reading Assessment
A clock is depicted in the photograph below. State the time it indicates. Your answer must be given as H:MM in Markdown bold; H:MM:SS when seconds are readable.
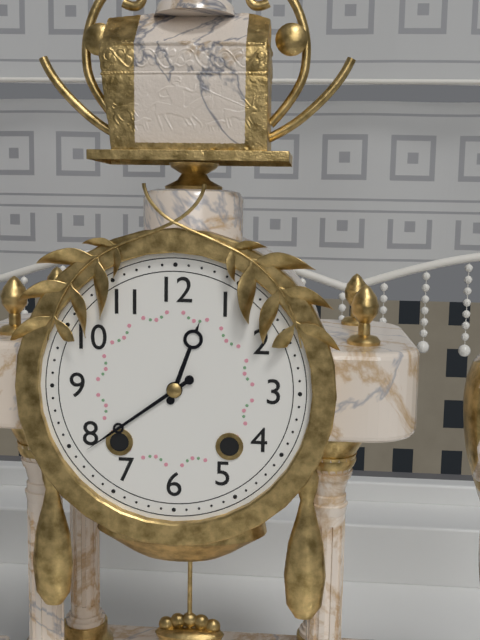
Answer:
**12:39**
